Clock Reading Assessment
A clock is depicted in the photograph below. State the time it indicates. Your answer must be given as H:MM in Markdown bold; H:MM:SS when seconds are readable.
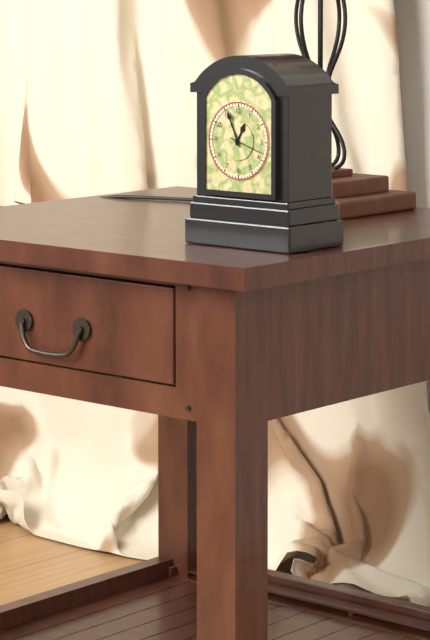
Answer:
**12:56**
